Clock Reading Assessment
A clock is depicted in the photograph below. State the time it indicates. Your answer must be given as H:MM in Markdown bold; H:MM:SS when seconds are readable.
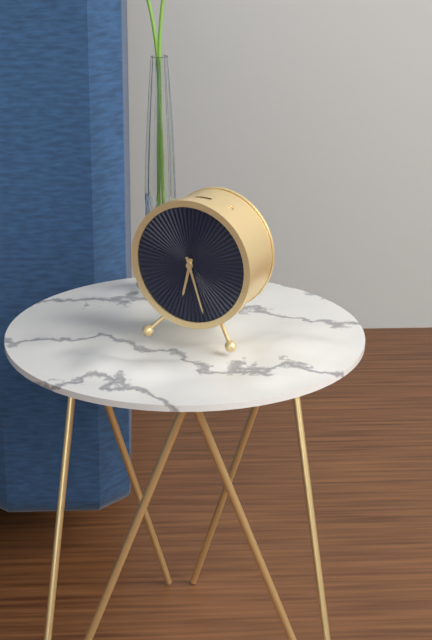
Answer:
**6:27**
